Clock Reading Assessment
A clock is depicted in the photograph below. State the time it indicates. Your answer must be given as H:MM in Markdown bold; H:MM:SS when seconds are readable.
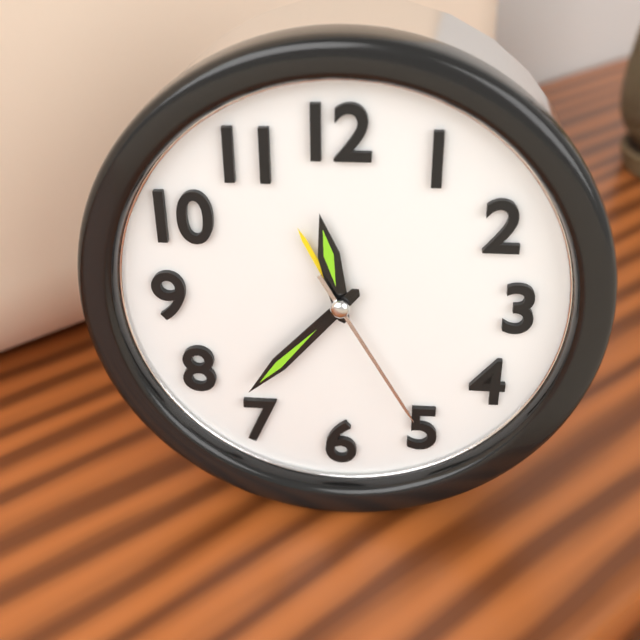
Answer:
**11:37:25**
